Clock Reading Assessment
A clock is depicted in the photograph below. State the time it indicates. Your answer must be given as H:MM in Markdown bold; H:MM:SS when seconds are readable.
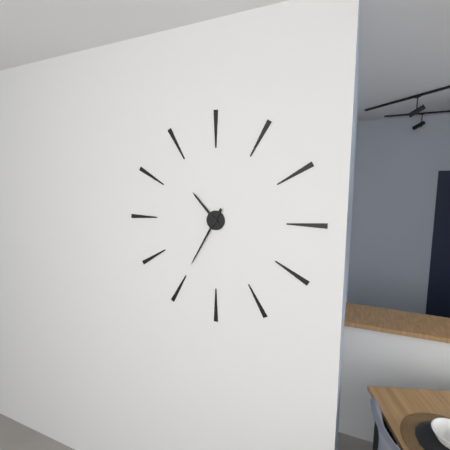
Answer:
**10:35**
